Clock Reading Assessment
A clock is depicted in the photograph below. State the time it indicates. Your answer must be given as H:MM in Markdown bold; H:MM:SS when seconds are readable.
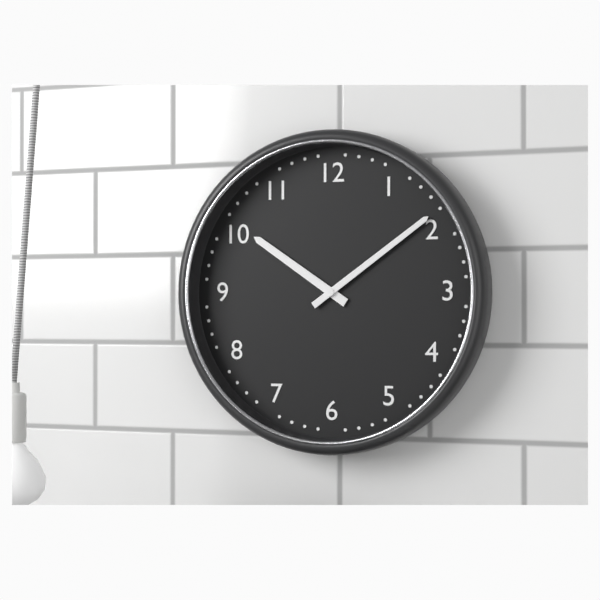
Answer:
**10:09**
